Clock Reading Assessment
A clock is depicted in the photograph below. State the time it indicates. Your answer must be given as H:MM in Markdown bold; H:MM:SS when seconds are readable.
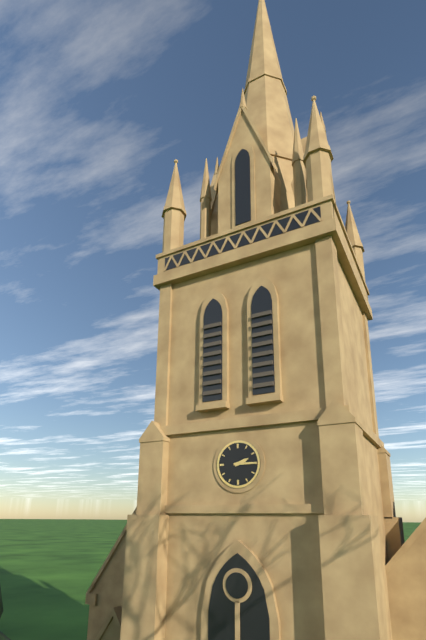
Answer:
**2:15**
